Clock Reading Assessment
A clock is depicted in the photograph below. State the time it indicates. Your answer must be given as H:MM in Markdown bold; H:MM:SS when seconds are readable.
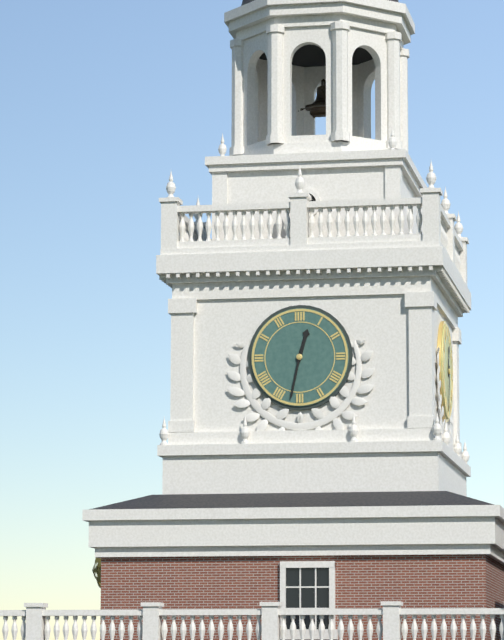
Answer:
**12:32**
